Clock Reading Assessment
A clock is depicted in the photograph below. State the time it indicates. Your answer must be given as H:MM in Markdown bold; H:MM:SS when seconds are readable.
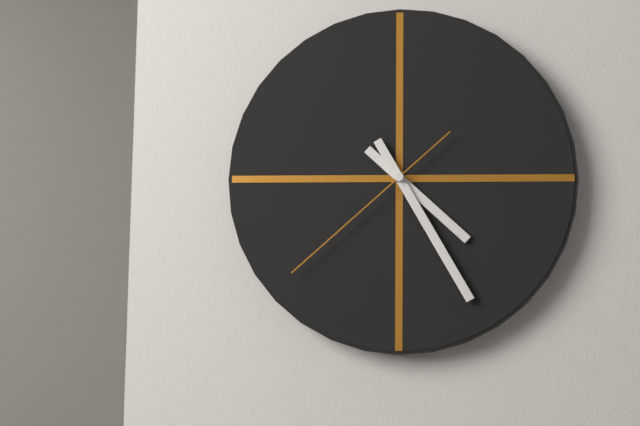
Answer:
**4:25:38**
